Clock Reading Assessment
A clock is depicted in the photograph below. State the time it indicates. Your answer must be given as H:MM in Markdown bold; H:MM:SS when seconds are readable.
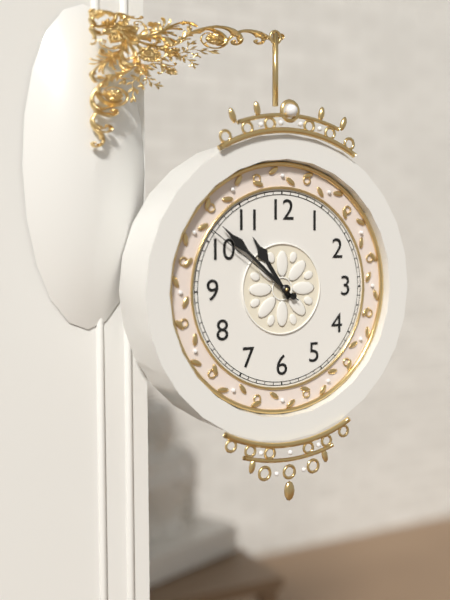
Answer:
**10:52:51**
